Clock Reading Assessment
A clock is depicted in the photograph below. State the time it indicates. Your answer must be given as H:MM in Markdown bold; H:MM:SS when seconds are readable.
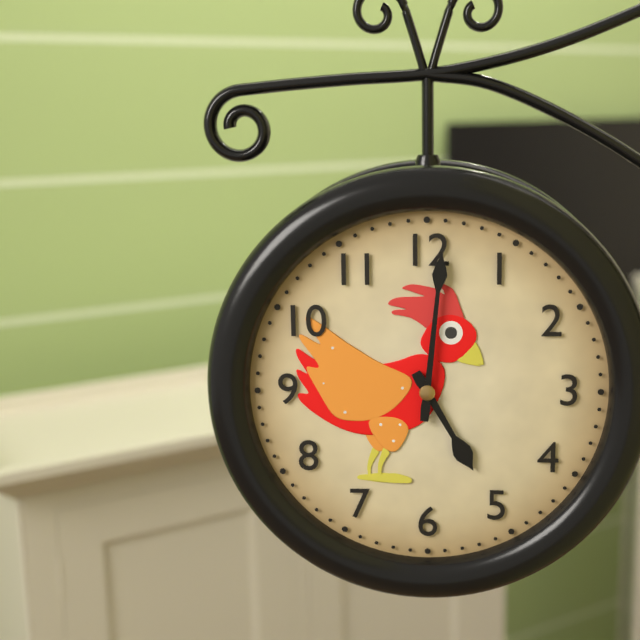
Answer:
**5:01**
